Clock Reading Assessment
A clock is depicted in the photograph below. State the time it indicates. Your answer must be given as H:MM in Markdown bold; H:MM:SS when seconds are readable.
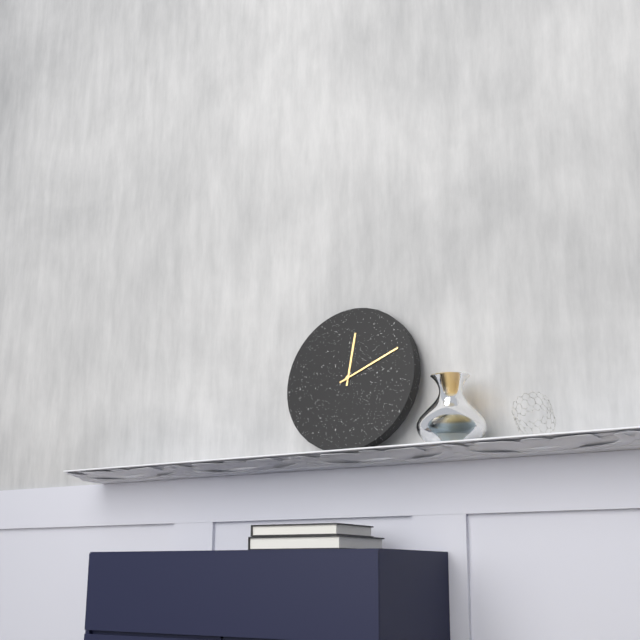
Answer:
**12:11**
